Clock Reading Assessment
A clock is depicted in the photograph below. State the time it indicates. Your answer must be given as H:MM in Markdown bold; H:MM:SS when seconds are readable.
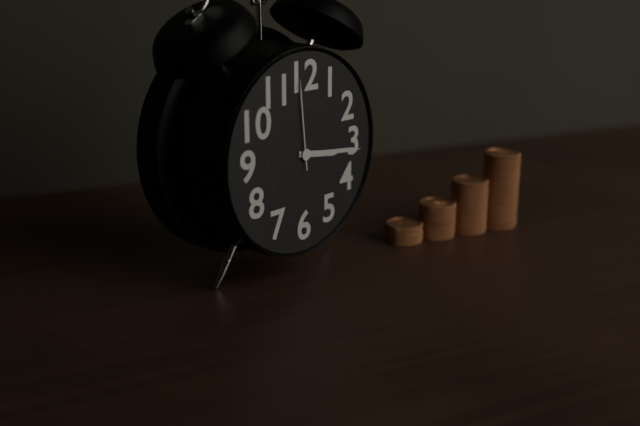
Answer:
**3:16:59**
